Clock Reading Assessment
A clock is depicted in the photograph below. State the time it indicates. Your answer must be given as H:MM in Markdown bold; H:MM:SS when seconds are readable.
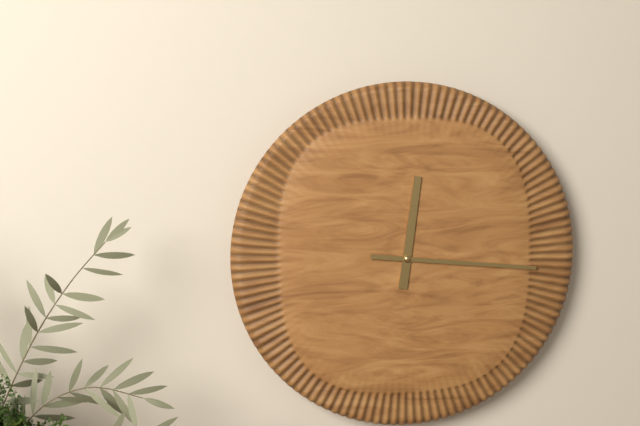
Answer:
**12:16**
